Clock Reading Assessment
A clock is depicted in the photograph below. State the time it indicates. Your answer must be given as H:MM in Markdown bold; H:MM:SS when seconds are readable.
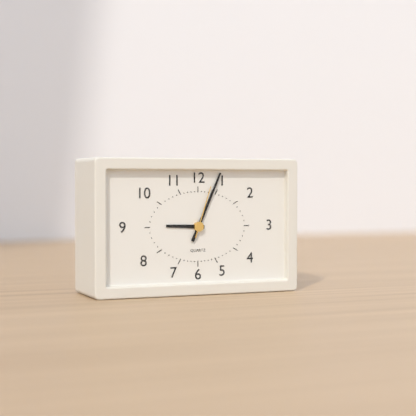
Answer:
**9:04:03**
